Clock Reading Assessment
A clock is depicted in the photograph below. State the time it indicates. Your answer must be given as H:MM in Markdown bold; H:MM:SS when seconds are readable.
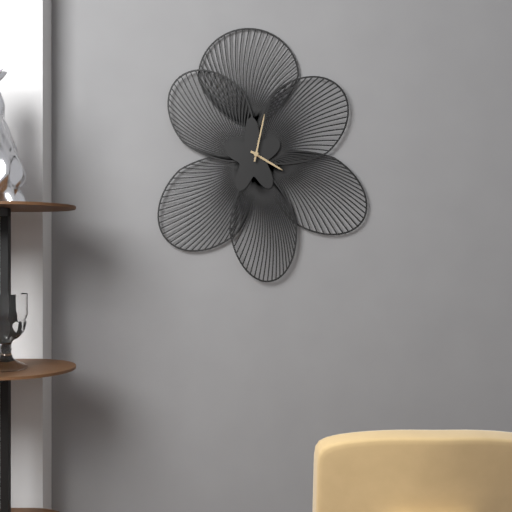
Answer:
**4:02**
